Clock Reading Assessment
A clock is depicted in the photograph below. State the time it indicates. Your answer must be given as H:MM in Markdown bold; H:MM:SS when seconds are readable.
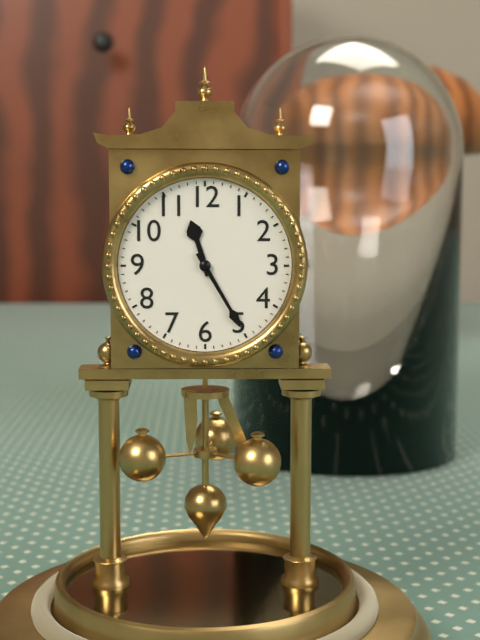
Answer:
**11:25**
